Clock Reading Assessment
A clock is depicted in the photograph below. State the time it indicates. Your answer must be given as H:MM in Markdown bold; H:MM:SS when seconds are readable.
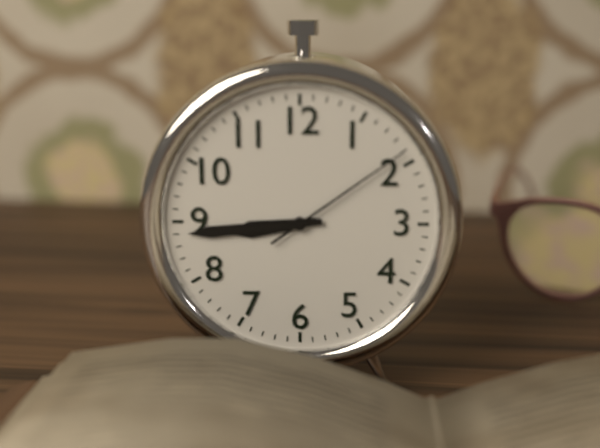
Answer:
**8:44:09**
